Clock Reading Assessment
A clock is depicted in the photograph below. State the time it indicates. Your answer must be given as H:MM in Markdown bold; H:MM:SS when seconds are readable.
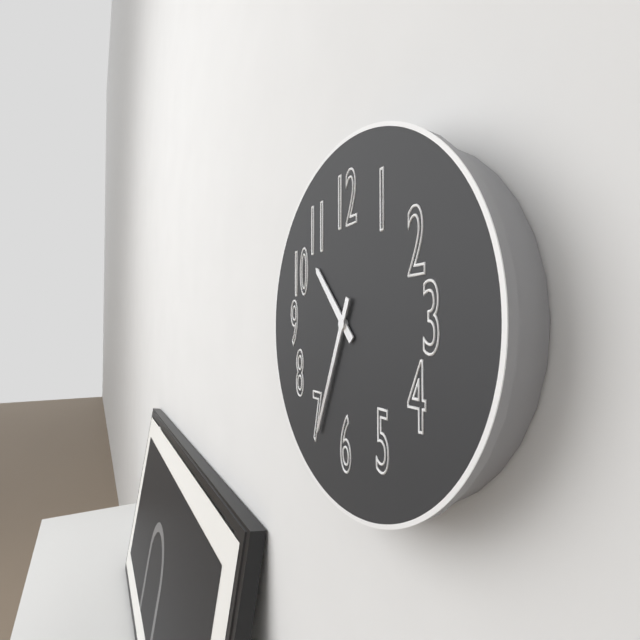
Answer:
**10:34**
